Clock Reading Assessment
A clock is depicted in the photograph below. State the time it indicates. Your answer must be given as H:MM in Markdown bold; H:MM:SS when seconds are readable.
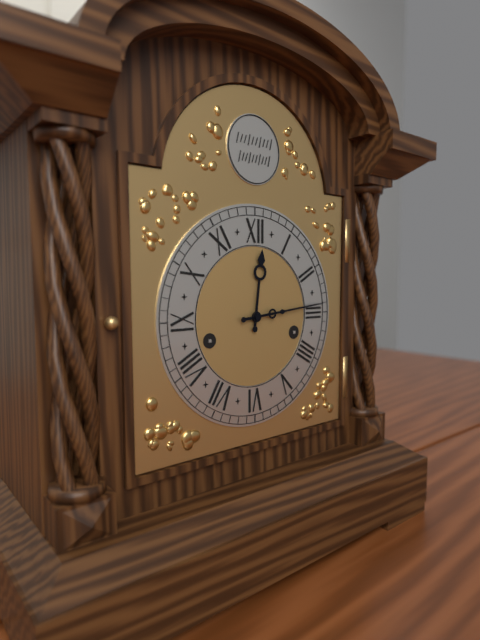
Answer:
**12:14**
